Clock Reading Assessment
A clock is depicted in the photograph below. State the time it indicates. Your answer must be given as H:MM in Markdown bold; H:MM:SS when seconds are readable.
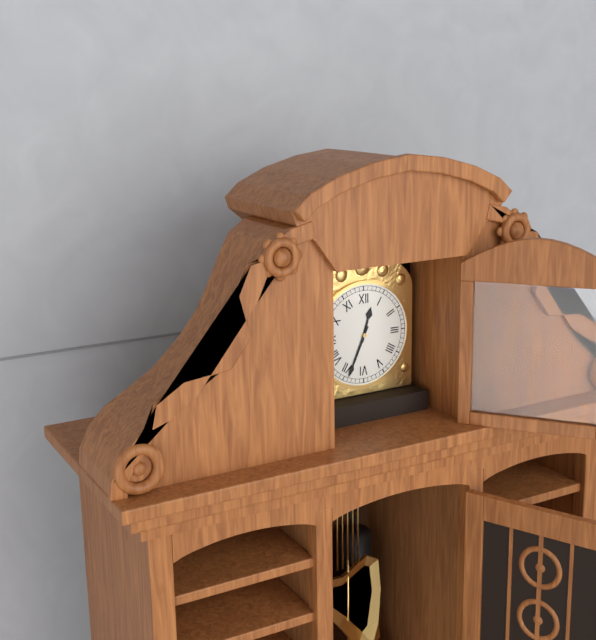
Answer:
**12:34**
